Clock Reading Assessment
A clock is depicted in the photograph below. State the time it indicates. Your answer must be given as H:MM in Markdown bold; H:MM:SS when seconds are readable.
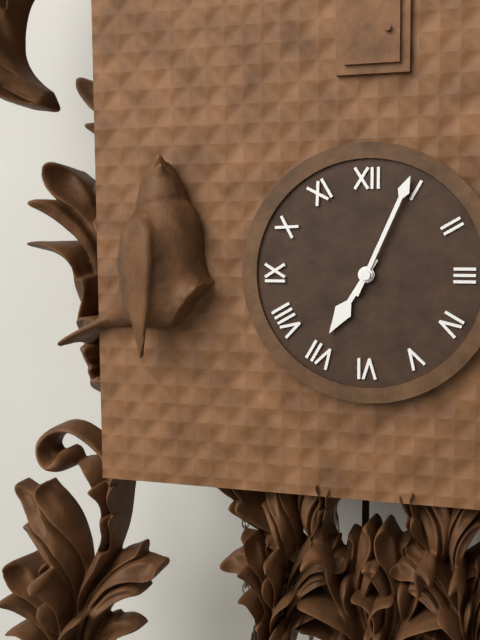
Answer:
**7:04**
